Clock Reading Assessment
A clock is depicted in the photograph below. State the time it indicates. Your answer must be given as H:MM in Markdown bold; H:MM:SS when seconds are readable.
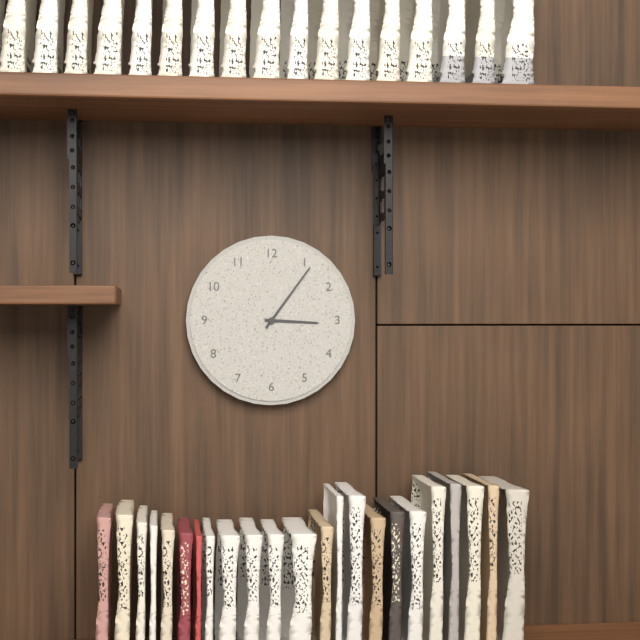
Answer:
**3:06**
